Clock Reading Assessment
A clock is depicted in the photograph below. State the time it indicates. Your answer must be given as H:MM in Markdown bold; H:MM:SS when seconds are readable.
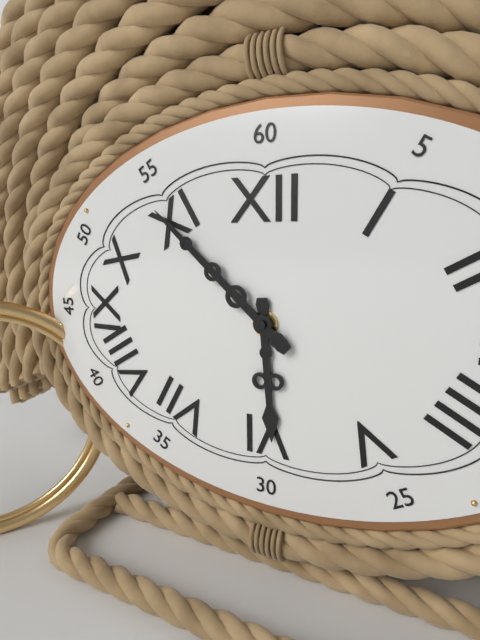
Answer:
**5:52**
